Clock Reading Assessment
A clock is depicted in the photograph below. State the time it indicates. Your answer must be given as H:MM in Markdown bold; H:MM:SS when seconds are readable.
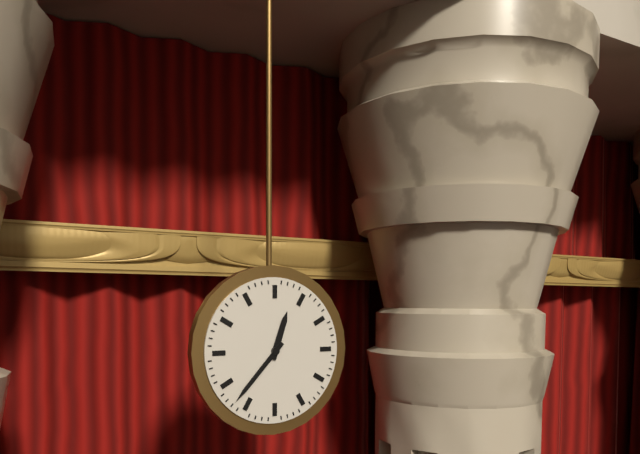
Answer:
**12:37**
